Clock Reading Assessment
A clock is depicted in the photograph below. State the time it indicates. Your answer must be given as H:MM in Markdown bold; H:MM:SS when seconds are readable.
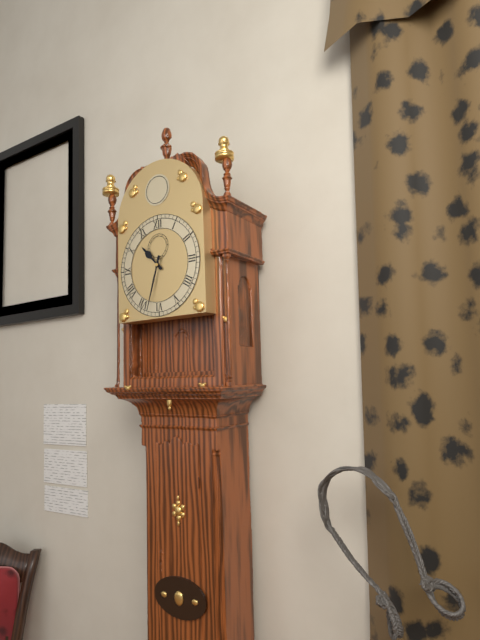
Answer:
**10:33**
